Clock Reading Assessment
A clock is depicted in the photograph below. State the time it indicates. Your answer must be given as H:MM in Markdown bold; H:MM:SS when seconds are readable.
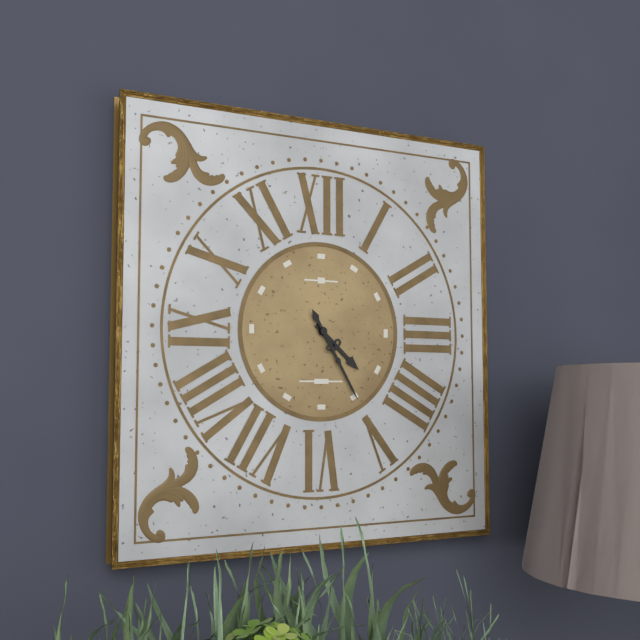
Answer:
**4:25**
